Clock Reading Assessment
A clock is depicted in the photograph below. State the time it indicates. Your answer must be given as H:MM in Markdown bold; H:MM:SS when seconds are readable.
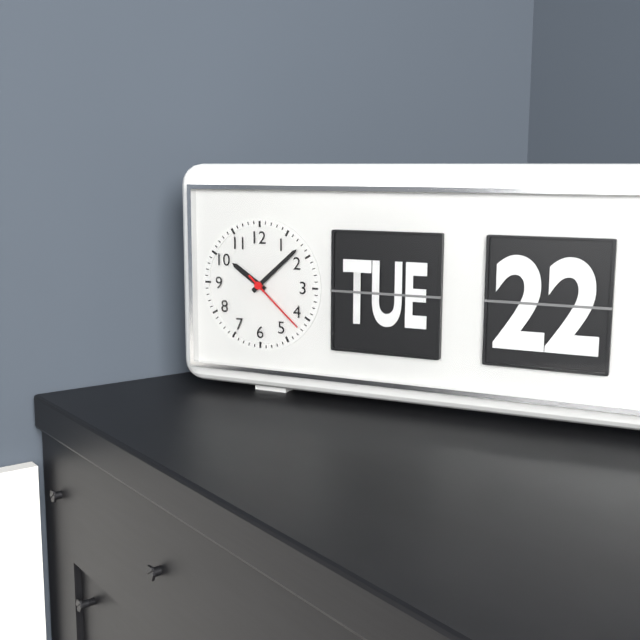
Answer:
**10:08:22**
